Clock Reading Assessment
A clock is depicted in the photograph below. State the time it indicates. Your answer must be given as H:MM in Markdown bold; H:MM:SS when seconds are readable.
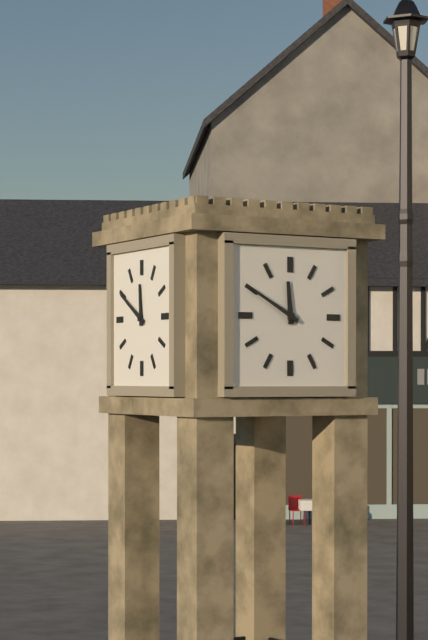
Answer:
**11:50**
